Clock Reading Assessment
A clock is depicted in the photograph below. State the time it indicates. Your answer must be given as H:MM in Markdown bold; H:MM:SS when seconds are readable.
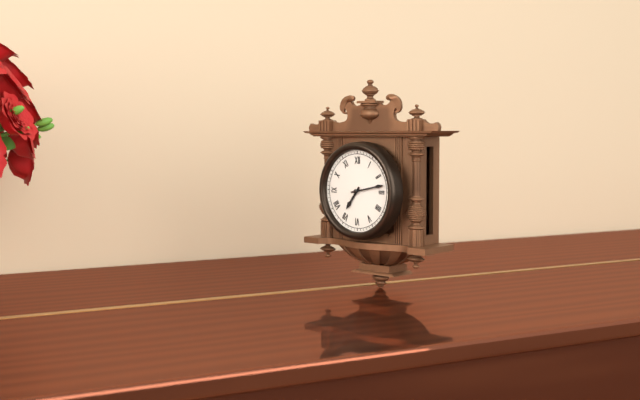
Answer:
**7:13**
